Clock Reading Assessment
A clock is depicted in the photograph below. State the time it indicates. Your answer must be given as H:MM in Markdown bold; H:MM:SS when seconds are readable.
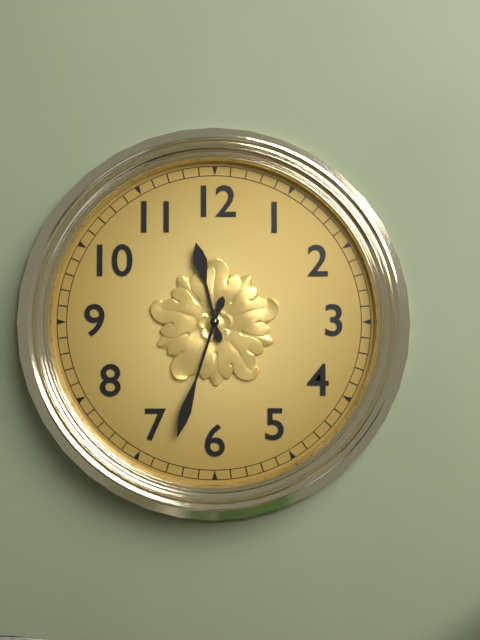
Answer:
**11:33**
